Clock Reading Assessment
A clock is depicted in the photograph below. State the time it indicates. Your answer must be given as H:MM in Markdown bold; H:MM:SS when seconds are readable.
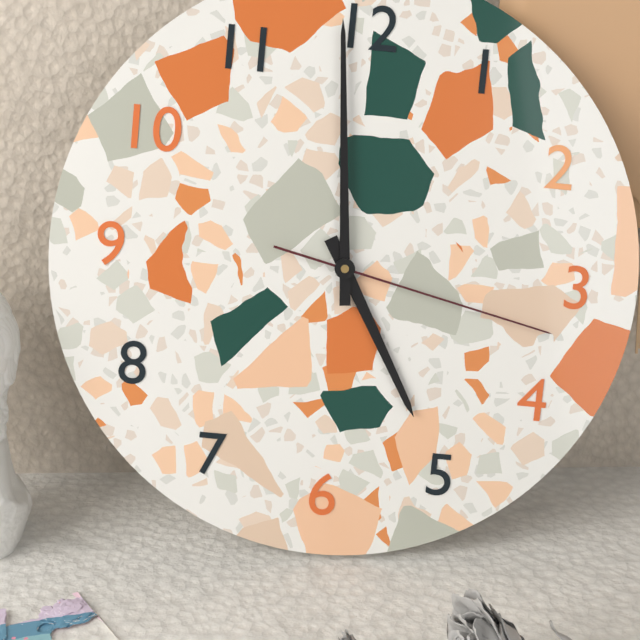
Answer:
**4:59:17**
